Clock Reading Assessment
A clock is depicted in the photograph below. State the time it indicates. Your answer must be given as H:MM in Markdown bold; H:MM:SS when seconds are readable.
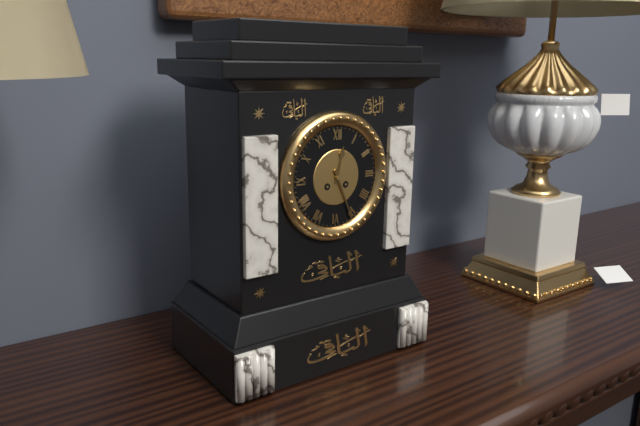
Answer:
**12:26**
